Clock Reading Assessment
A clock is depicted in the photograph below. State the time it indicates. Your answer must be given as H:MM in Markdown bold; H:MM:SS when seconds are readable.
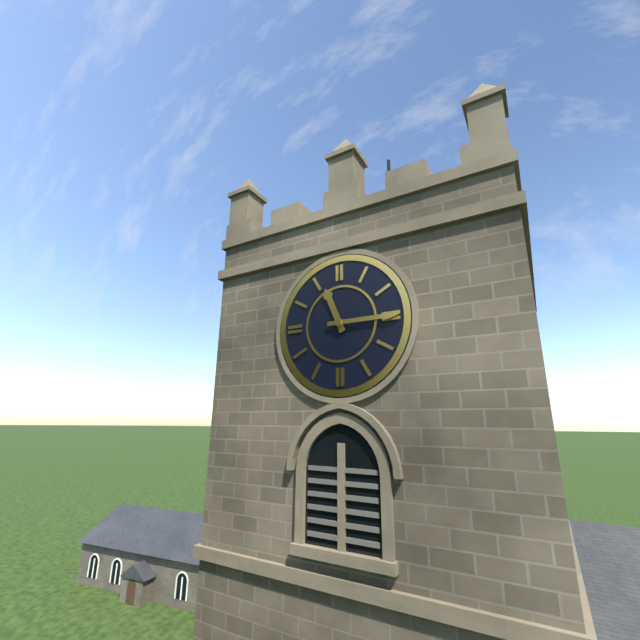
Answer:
**11:15**
